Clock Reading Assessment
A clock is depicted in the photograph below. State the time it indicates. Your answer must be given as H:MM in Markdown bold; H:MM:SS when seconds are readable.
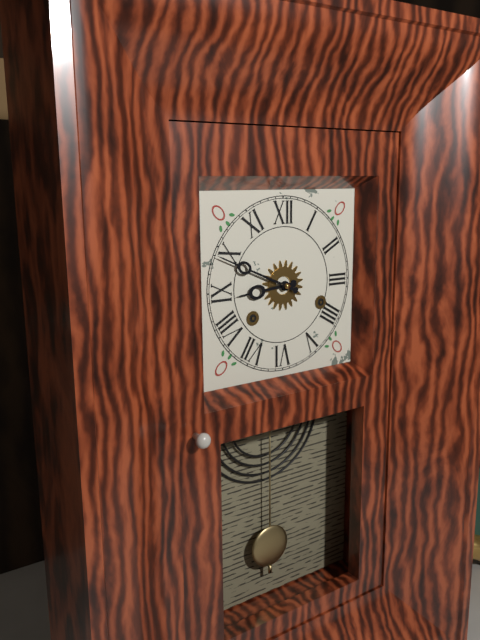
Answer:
**8:49**
